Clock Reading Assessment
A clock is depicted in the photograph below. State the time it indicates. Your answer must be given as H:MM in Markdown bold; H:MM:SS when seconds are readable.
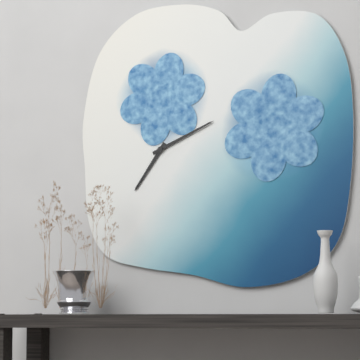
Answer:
**7:11**
